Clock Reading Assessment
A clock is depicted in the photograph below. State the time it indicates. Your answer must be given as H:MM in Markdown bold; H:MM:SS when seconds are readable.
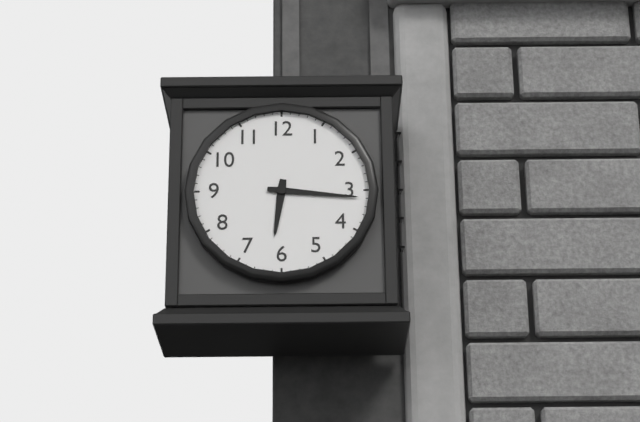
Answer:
**6:16**
